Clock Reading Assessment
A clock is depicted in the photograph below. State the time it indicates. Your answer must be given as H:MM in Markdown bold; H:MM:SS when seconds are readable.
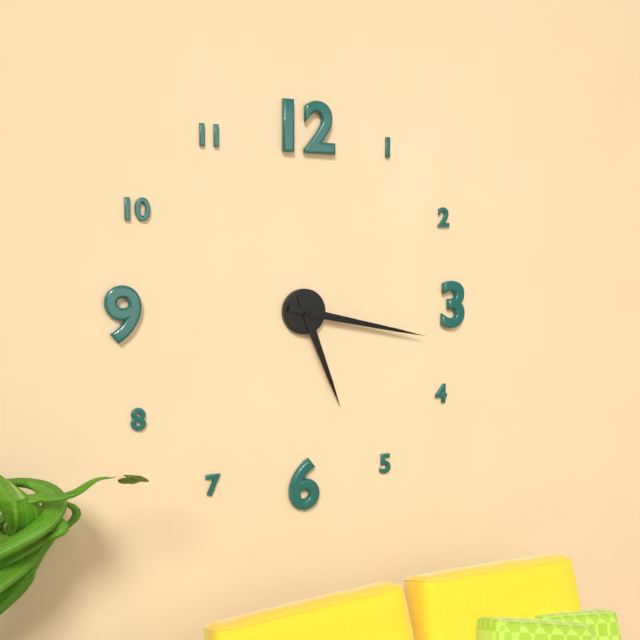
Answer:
**5:17**
